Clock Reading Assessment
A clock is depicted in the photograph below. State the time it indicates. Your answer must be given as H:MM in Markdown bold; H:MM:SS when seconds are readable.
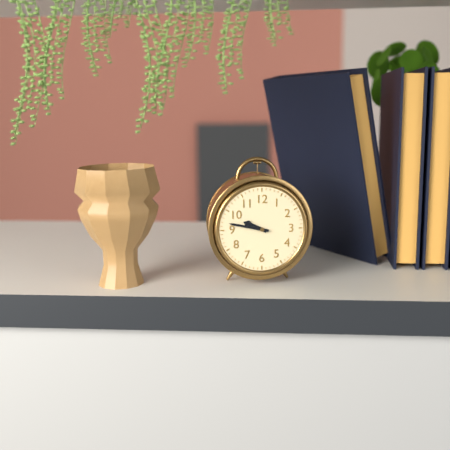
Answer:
**9:47**
